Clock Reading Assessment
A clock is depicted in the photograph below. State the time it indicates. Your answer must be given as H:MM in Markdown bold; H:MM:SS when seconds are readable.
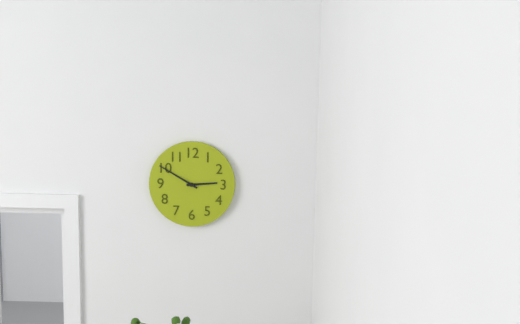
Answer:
**2:50**
